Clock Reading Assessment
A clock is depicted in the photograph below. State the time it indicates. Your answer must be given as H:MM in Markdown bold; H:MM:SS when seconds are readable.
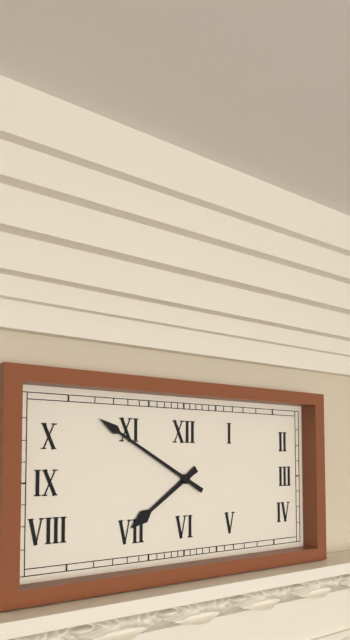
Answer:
**7:50**
